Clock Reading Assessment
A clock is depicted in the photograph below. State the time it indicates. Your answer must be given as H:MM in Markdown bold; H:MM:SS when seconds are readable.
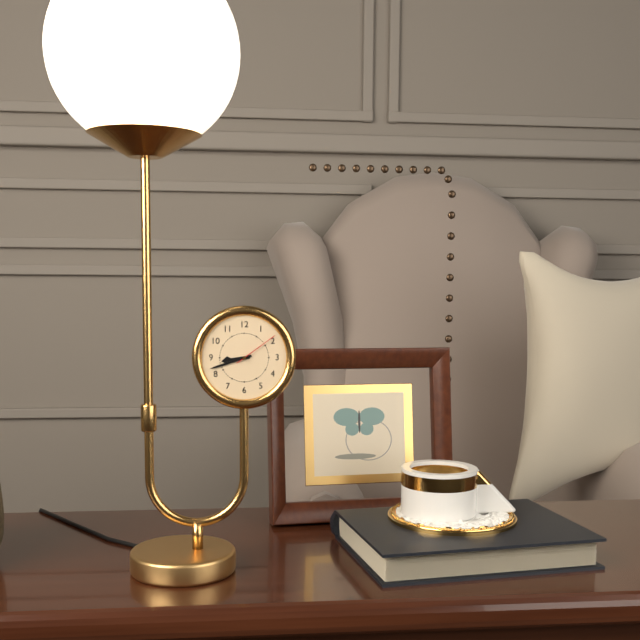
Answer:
**8:42**
